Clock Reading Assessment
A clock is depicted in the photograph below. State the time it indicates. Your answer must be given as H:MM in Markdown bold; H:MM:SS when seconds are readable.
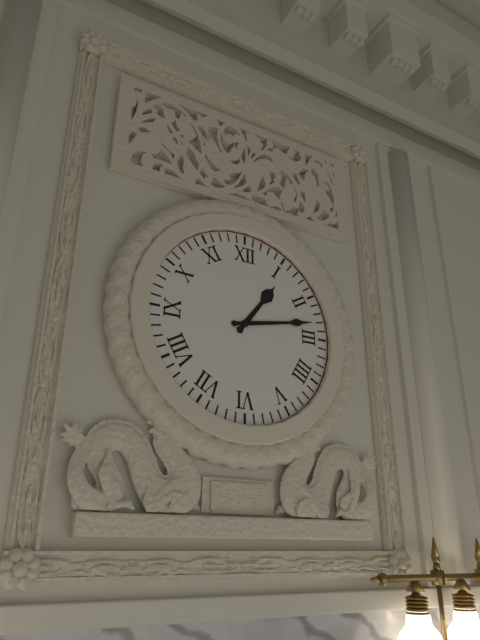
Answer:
**1:13**
